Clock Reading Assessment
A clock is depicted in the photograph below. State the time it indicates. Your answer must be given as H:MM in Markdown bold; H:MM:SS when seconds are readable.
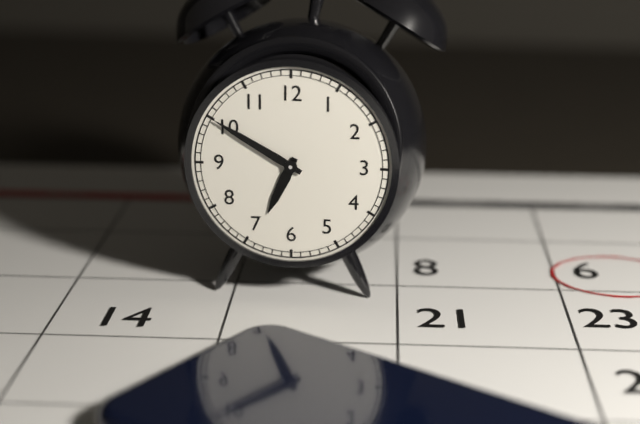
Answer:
**6:50**
